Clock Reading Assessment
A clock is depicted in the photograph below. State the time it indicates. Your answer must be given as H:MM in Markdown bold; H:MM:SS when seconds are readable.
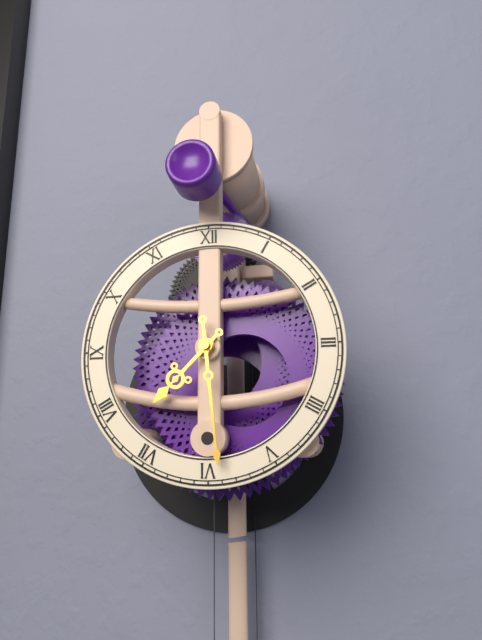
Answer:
**7:29**
